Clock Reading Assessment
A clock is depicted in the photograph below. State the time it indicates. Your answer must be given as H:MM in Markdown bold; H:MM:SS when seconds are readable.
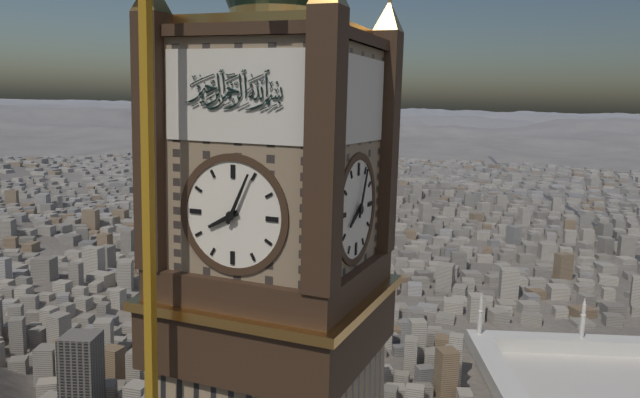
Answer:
**8:04**
